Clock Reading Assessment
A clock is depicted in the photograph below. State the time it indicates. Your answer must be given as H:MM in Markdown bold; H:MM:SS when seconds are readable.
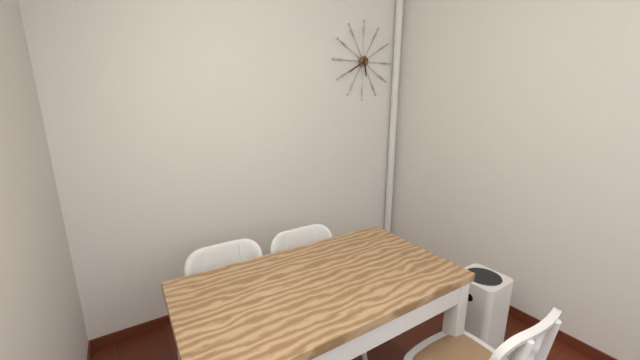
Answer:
**5:40**
